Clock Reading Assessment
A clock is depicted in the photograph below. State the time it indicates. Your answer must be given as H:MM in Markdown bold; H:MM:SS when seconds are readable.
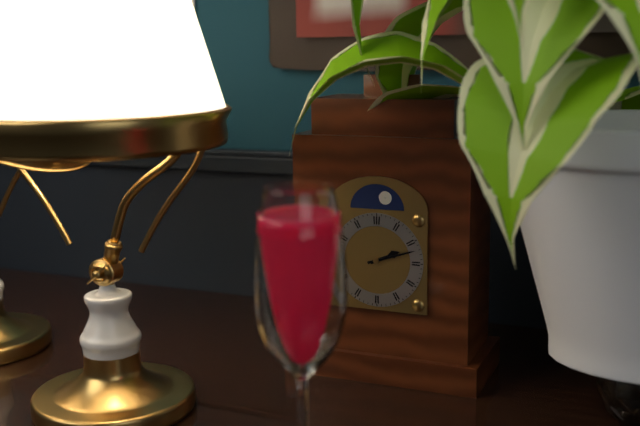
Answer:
**2:12**
